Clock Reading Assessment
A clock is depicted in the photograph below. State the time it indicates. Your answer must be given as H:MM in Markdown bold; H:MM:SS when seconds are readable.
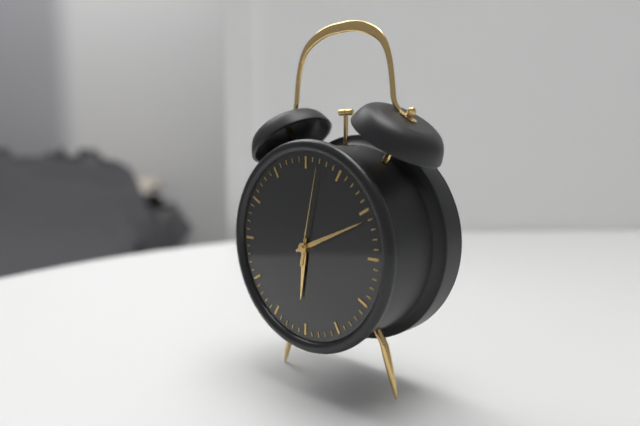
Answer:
**6:11:02**
